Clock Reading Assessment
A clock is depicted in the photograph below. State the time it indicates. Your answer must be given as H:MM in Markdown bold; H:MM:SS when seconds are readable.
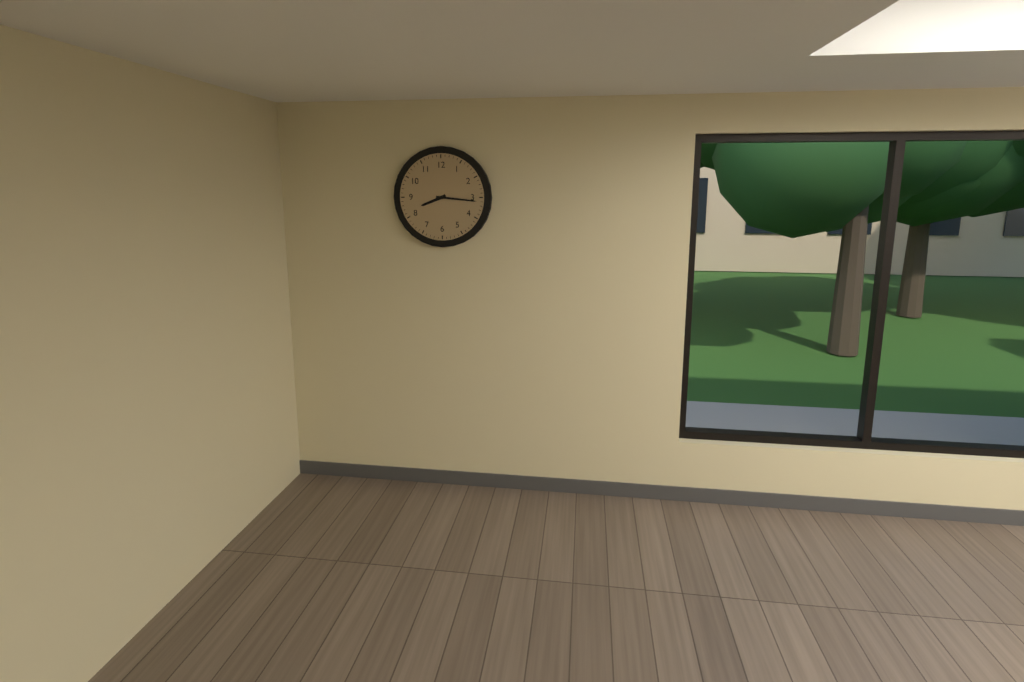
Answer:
**8:16**
